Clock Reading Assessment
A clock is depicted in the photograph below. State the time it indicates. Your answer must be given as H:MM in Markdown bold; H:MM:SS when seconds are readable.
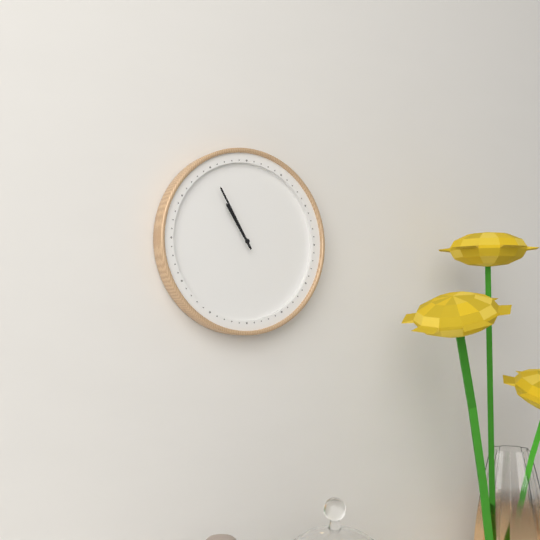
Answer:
**10:55**
